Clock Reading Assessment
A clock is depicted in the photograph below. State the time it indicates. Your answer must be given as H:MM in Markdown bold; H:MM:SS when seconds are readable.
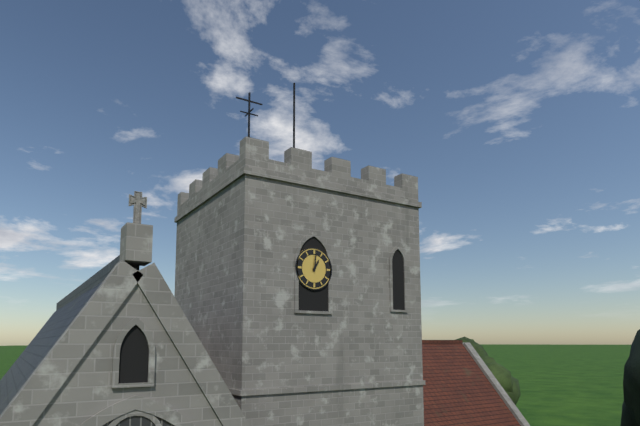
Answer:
**1:01**
